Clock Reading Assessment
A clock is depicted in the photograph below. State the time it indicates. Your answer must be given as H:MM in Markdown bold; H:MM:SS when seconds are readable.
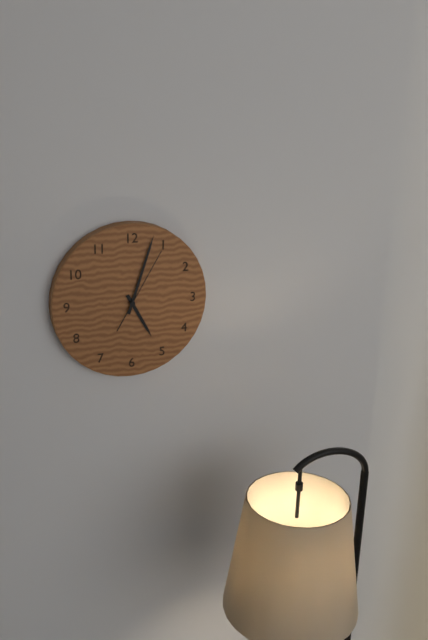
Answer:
**5:03:05**
